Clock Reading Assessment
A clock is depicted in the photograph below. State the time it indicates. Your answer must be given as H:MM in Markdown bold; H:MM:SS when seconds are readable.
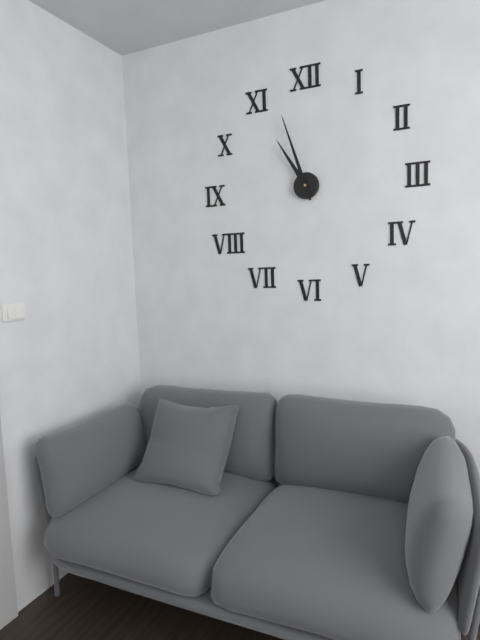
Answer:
**10:57**
